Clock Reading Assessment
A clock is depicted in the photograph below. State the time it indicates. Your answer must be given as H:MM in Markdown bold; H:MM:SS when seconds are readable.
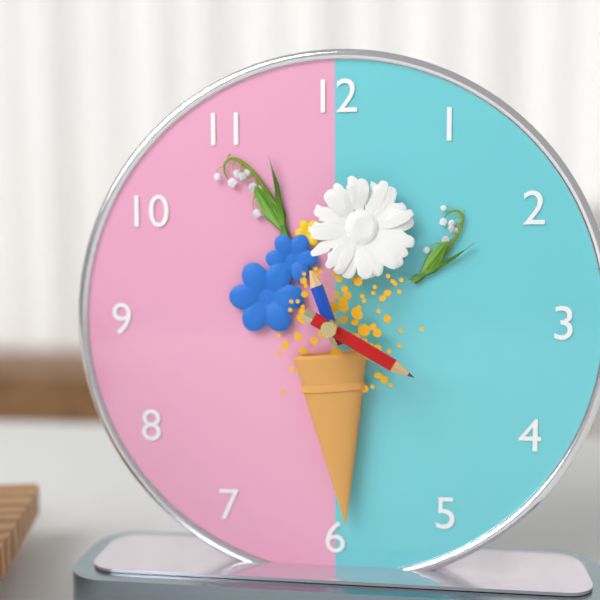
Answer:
**11:20**
